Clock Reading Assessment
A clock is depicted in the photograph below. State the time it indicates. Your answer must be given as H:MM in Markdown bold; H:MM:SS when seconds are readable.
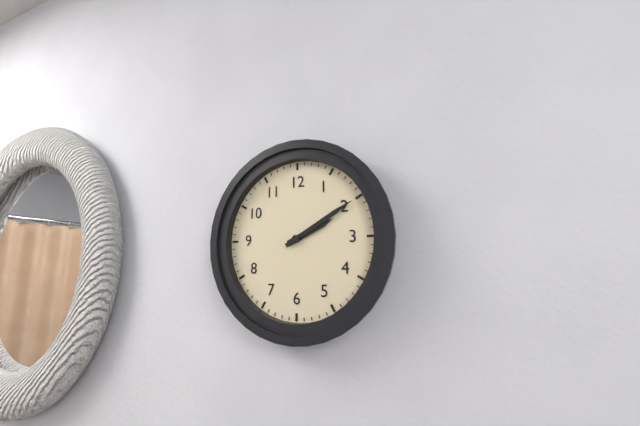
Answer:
**2:10**
